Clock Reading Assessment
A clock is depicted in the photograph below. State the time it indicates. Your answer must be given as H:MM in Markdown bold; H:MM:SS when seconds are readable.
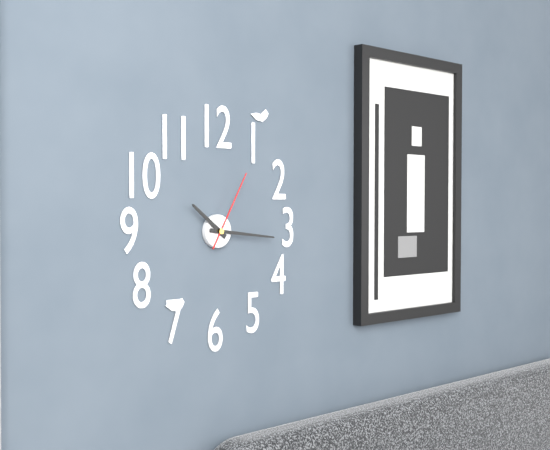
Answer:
**10:16:05**
